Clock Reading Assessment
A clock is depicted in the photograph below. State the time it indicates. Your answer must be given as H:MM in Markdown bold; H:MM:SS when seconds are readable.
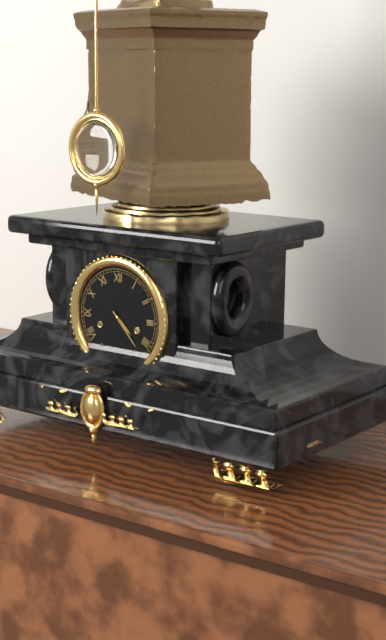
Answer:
**4:23**
